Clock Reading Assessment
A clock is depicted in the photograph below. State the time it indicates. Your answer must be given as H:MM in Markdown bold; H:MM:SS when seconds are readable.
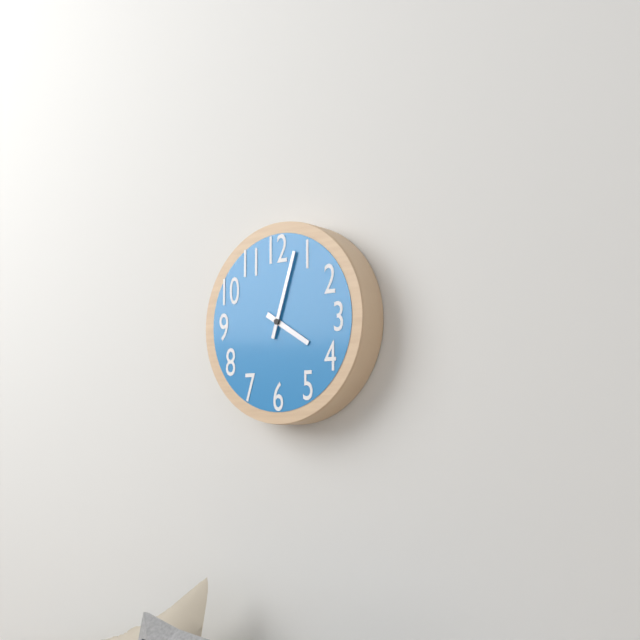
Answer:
**4:03**
